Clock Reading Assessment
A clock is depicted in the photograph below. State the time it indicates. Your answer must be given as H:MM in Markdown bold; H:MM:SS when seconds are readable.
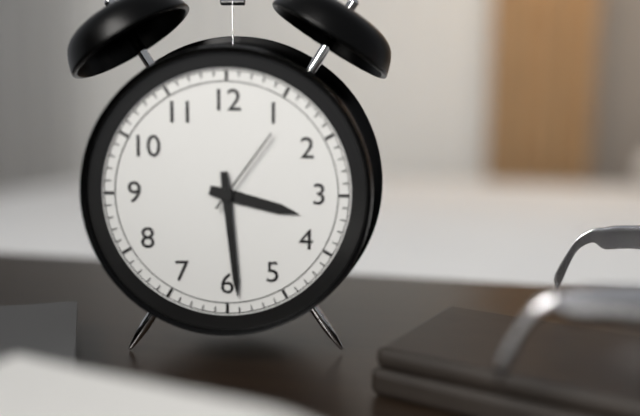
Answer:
**3:29:06**
